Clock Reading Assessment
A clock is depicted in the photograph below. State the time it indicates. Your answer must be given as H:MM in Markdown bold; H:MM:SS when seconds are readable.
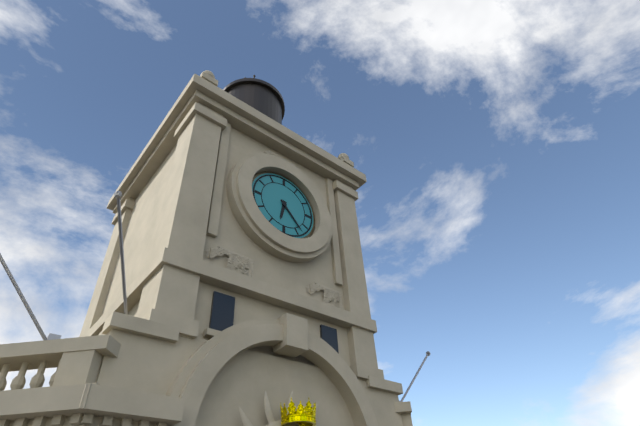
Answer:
**6:23**
